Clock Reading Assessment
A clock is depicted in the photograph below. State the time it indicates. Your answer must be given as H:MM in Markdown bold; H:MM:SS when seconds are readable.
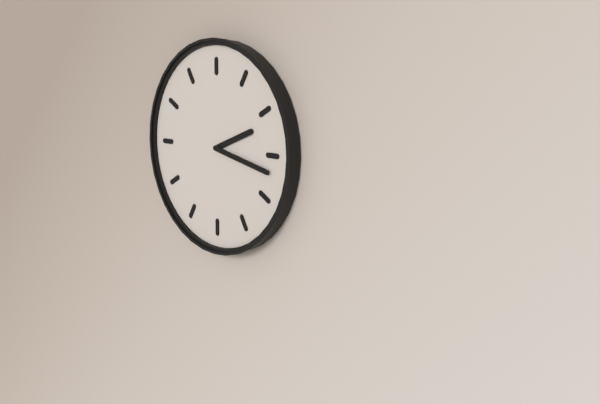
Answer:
**2:17**
